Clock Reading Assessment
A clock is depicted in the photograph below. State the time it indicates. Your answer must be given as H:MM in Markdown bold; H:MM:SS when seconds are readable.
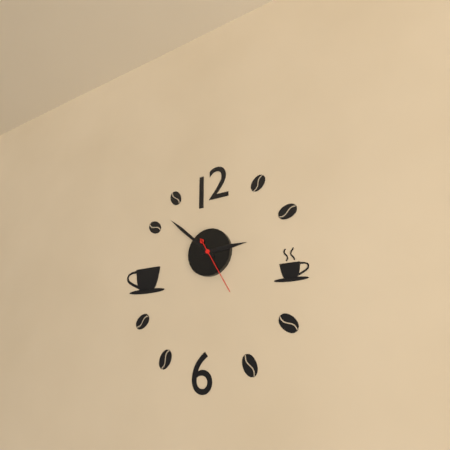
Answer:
**2:52:25**
